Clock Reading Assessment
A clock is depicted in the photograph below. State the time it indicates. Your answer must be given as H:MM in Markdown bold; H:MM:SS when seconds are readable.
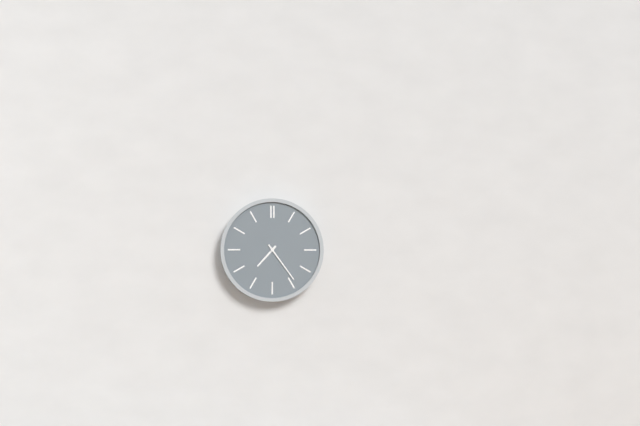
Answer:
**7:24**
